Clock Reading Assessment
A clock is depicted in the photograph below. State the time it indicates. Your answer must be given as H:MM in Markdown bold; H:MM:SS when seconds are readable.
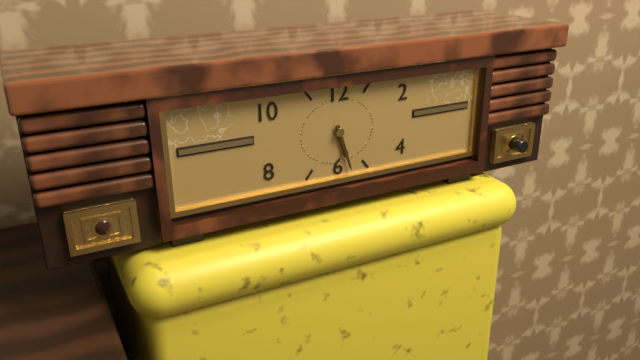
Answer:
**5:27**
